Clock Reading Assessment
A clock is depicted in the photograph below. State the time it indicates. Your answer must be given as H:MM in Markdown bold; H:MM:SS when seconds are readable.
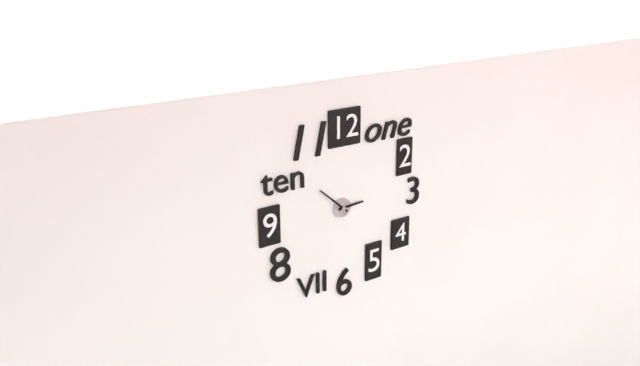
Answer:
**2:52**
